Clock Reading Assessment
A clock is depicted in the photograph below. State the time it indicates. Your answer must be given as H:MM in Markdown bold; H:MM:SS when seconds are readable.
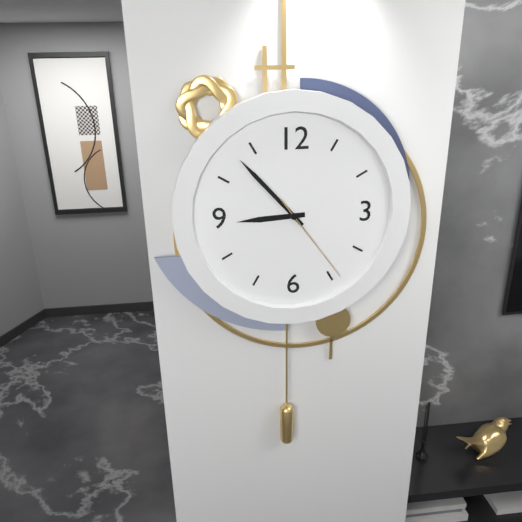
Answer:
**8:53:24**
